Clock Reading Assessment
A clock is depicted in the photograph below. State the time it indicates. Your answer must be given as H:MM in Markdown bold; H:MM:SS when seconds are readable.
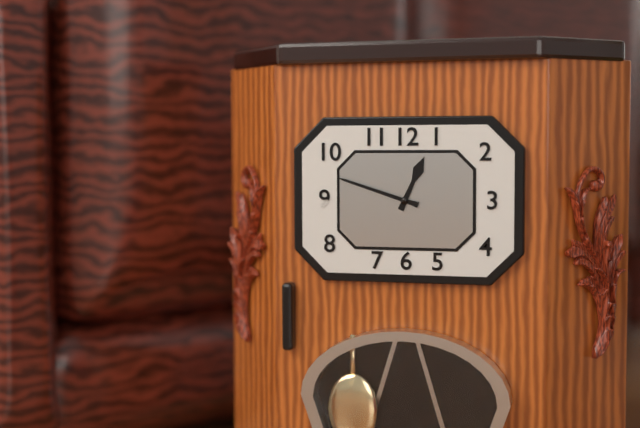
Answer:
**12:48**
